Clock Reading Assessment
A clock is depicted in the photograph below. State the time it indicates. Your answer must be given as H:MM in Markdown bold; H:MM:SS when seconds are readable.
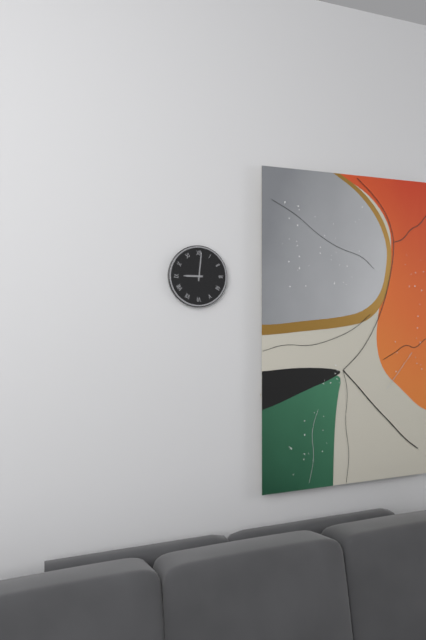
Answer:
**9:01**
